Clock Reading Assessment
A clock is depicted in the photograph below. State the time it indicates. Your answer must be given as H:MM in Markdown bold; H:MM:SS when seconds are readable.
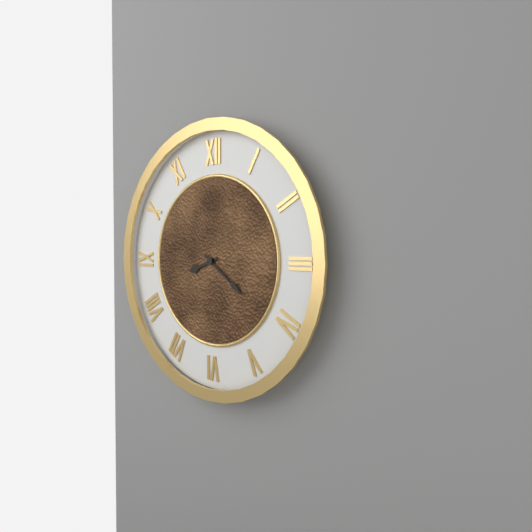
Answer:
**8:21**
